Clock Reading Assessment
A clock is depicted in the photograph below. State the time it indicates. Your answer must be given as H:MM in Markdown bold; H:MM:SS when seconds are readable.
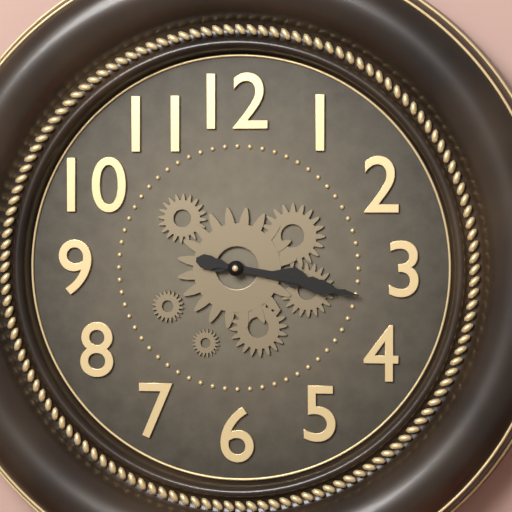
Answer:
**3:17**
